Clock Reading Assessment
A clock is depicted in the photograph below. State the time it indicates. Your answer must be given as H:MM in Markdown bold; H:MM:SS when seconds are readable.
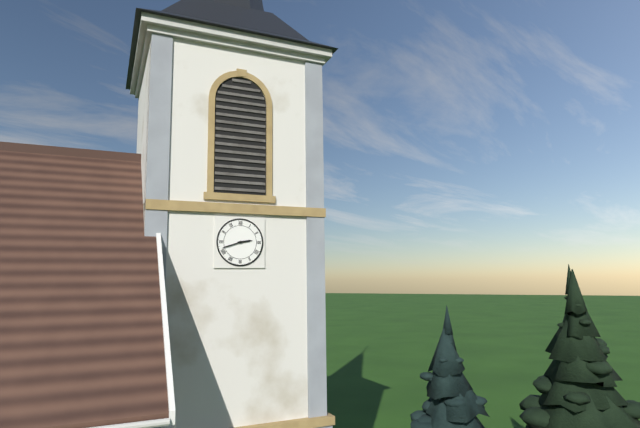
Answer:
**2:42**
